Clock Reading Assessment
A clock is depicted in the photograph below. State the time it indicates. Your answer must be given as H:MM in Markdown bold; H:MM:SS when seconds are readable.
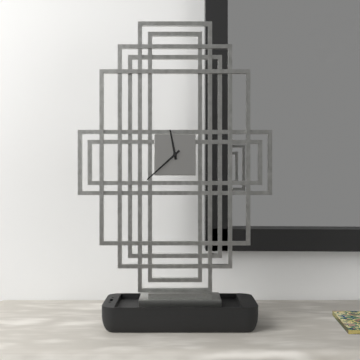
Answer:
**11:38**
